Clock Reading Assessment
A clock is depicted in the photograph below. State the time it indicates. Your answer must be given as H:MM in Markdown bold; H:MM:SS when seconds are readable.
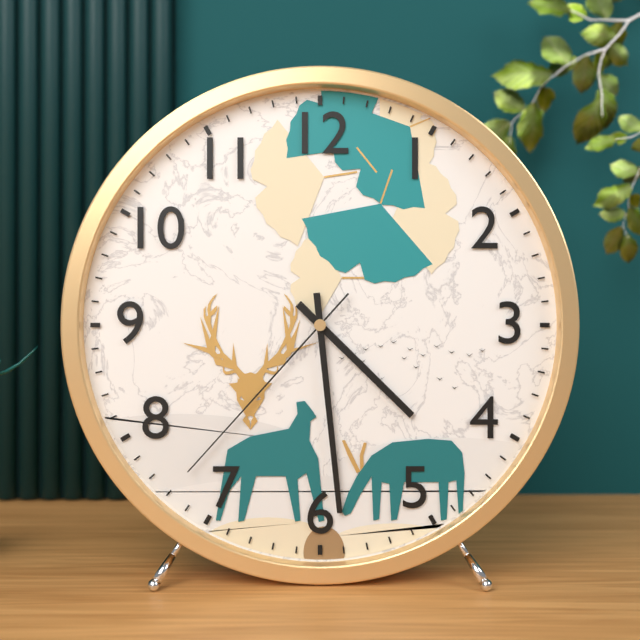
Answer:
**4:29:37**
